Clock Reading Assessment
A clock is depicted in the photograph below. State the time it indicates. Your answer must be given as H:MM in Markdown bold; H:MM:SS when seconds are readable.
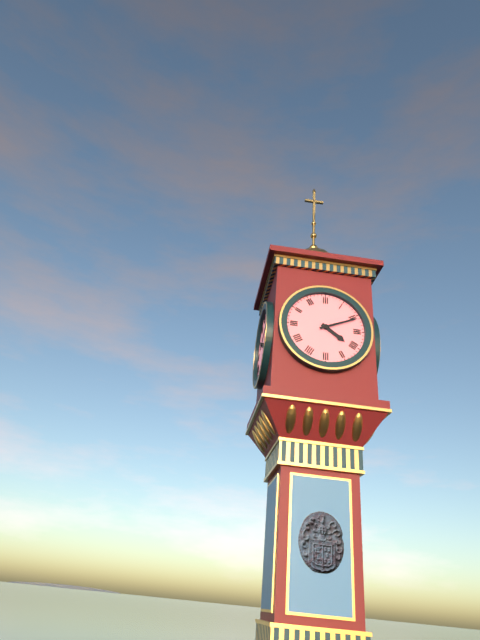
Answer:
**4:11**
